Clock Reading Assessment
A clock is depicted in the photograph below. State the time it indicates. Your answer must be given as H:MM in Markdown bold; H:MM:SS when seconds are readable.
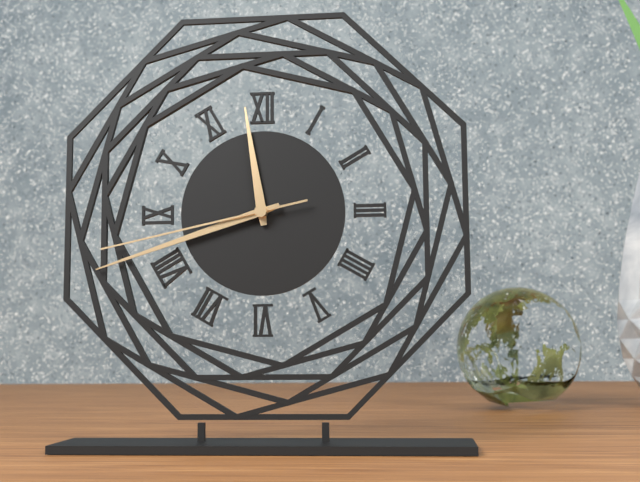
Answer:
**11:42:43**
